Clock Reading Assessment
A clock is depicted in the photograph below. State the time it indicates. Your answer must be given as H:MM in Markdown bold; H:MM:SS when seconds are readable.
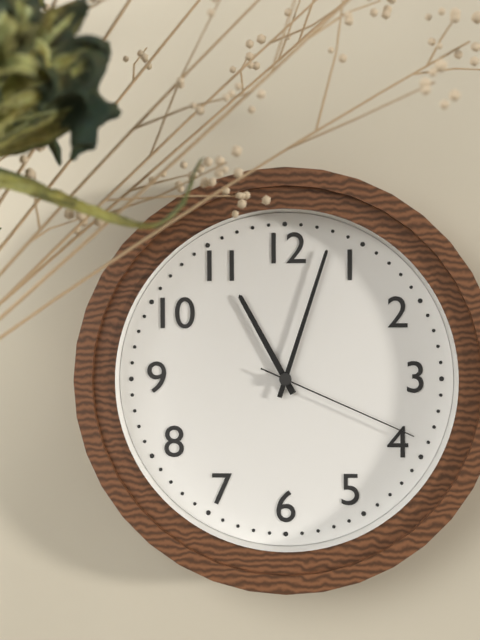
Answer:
**11:03:19**
